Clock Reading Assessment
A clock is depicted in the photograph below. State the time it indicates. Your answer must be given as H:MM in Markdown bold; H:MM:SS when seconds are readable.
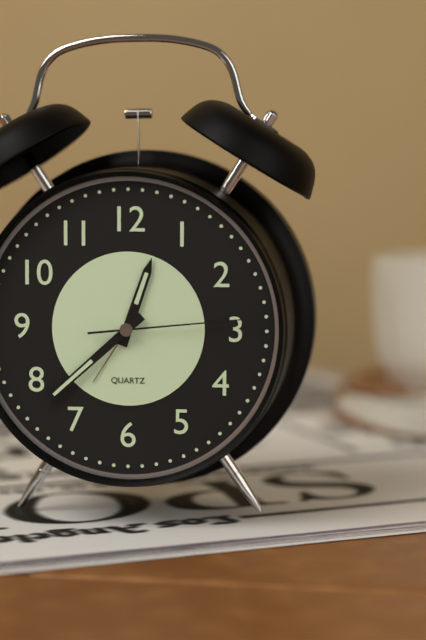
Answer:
**12:38:14**
